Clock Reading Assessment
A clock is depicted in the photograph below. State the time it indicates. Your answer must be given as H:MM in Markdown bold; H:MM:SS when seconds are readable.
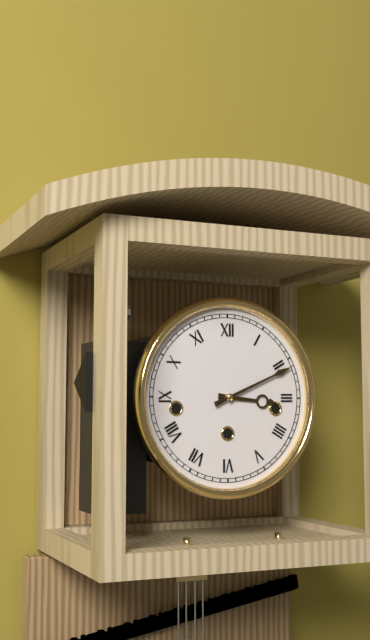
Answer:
**3:11**
